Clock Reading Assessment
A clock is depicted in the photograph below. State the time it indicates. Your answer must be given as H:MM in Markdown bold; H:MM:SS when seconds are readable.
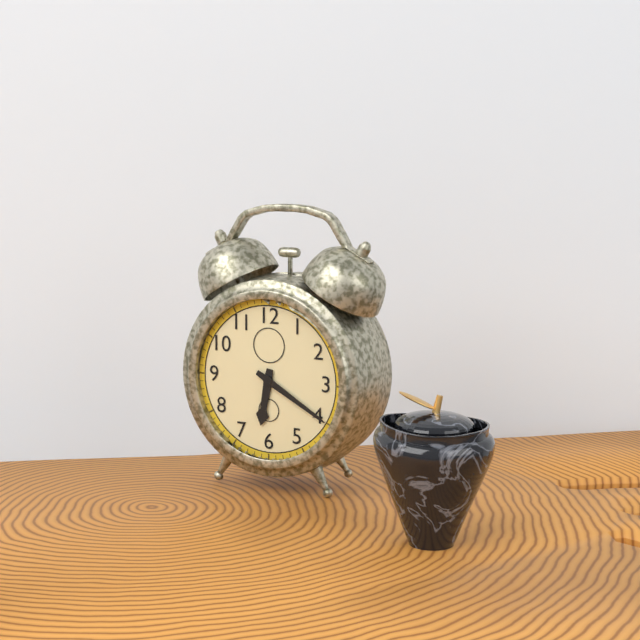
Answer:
**6:20**
